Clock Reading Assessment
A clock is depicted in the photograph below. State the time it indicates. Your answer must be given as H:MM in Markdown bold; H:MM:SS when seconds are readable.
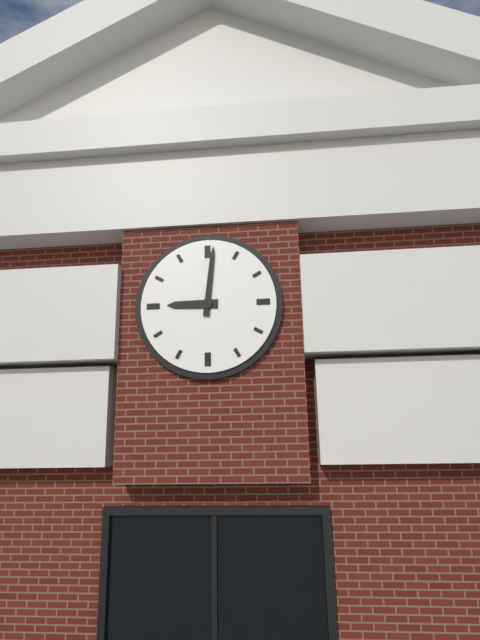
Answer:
**9:01**
